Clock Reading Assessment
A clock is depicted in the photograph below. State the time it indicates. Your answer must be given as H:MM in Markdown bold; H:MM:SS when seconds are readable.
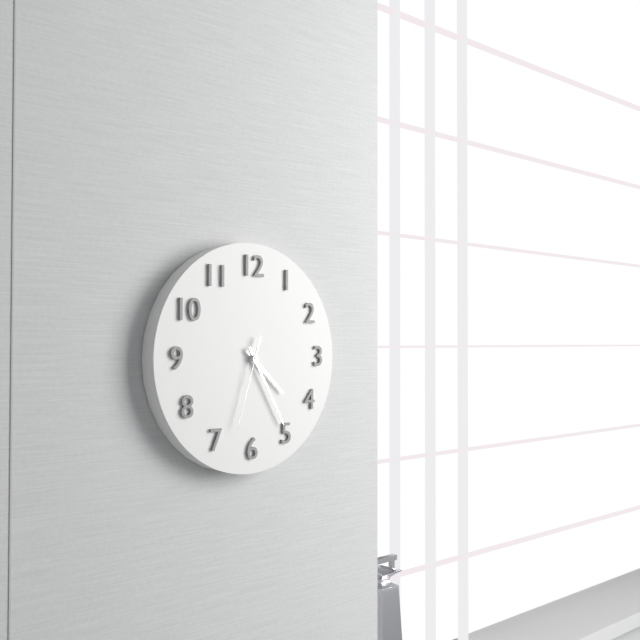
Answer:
**4:25:33**
